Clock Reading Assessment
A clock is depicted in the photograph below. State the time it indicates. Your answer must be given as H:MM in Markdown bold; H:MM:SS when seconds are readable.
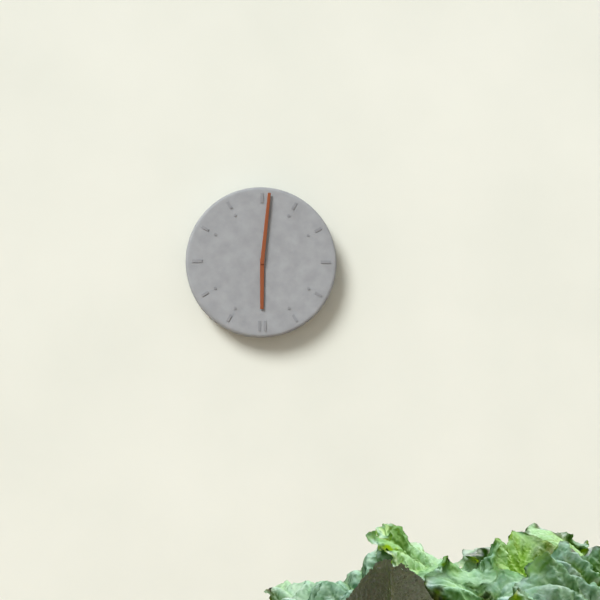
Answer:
**6:01**
